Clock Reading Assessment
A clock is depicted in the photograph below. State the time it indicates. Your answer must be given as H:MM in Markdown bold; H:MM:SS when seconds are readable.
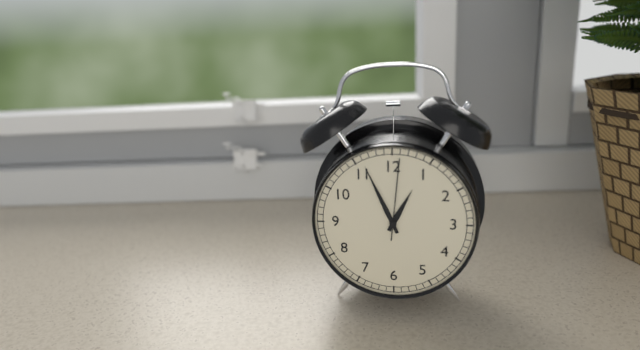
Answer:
**12:56:01**
